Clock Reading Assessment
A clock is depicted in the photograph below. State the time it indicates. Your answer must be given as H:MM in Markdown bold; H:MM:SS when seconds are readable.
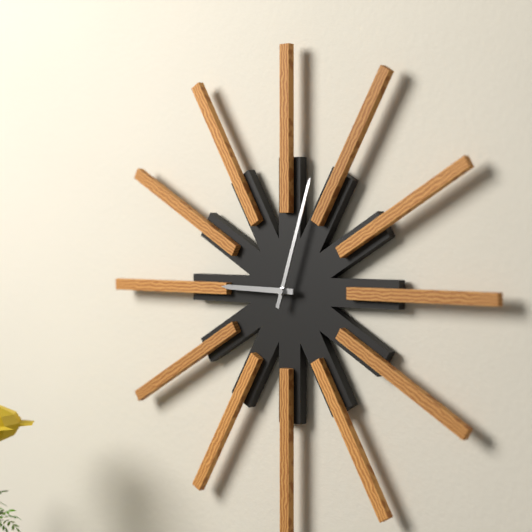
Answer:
**9:03**
